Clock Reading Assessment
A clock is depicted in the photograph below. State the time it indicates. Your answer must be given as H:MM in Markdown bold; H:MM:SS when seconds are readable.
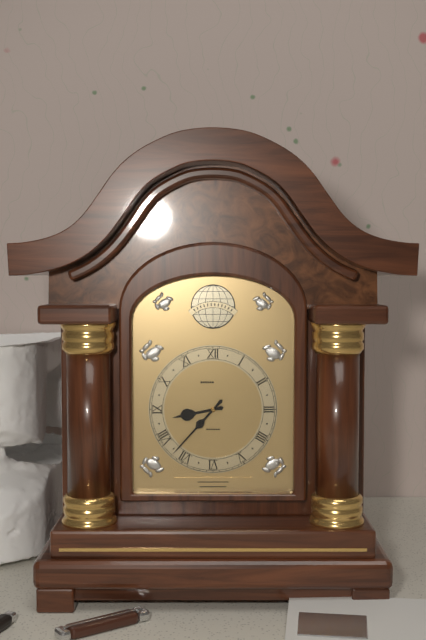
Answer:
**8:37**
